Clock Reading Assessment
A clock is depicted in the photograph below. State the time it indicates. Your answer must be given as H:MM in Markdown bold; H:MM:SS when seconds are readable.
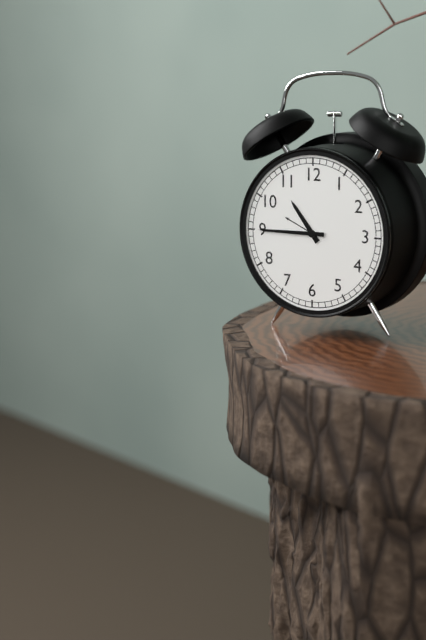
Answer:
**10:45**
